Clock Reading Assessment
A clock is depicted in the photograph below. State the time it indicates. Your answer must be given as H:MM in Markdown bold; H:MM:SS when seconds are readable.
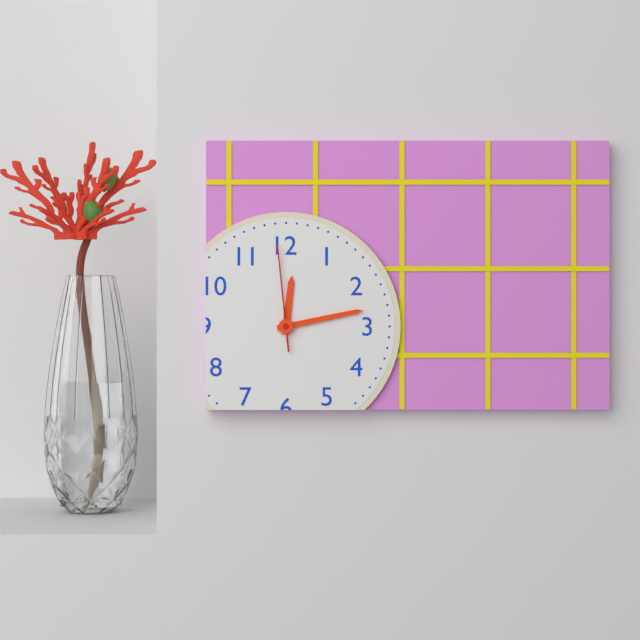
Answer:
**12:13:59**
